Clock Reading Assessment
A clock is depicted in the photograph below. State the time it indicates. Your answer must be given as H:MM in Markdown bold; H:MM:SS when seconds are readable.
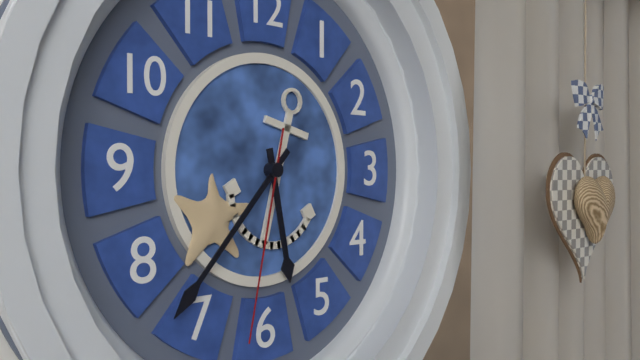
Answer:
**5:37:32**
